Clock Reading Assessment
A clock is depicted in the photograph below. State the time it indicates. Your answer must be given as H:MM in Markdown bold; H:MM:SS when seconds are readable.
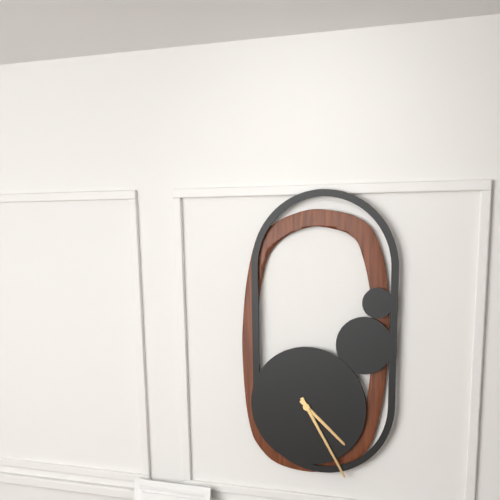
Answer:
**4:25**
